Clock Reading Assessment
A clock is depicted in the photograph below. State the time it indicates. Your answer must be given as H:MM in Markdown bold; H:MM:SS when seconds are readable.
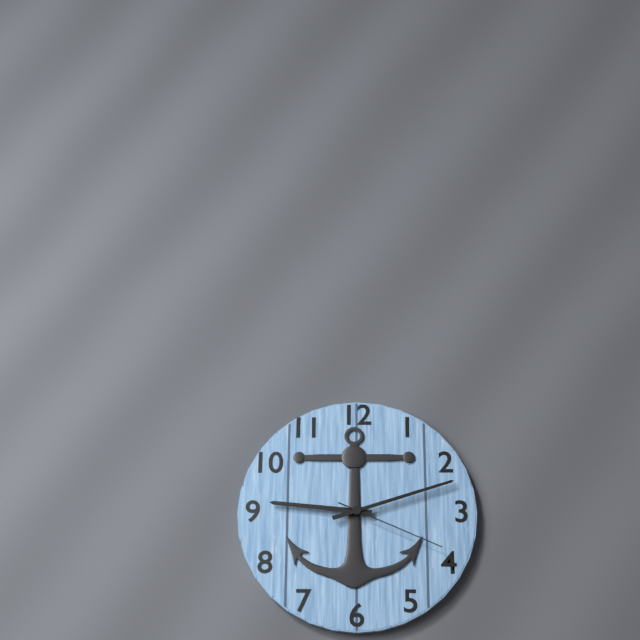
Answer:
**9:12:19**
